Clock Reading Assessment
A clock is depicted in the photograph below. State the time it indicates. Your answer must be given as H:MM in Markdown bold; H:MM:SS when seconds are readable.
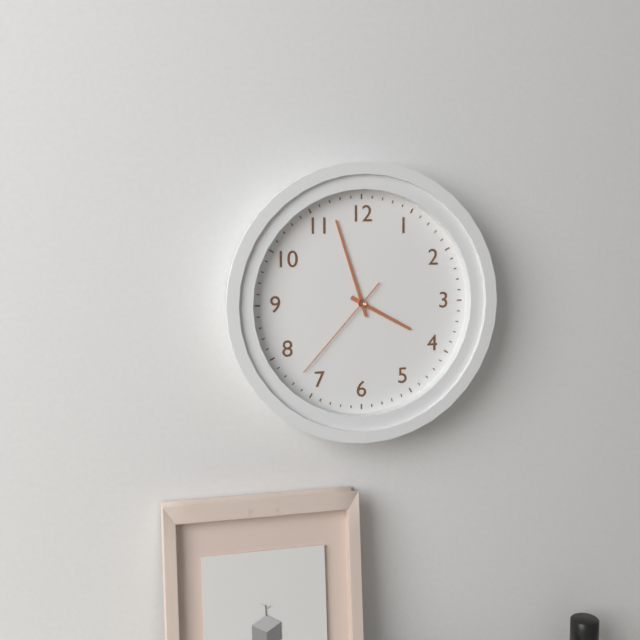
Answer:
**3:57:37**
